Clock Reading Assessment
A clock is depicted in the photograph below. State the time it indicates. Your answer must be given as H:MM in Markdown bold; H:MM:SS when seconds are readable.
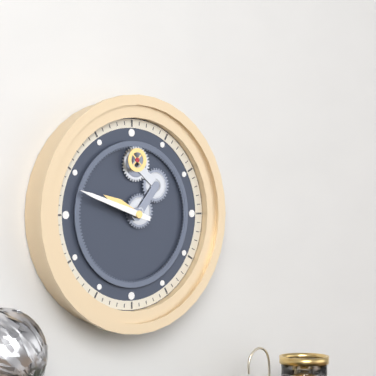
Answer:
**9:48**
